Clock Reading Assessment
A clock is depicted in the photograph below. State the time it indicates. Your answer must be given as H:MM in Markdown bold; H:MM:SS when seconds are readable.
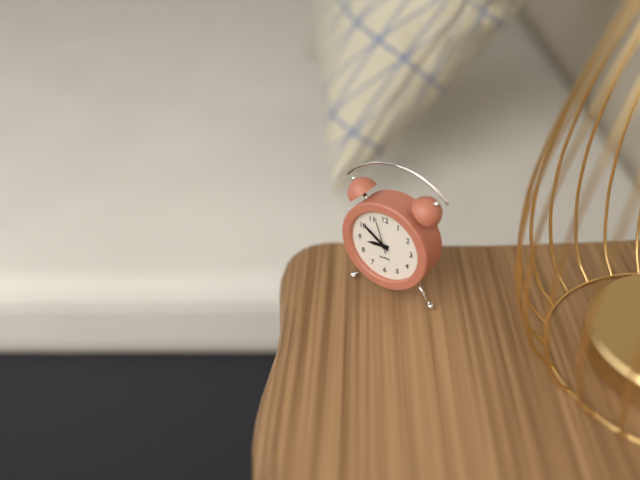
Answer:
**8:51**
